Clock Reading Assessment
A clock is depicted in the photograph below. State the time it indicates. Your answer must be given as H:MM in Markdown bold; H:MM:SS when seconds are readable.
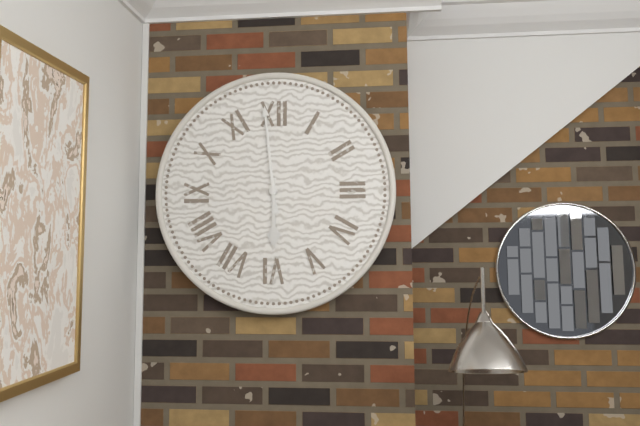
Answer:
**5:59**
